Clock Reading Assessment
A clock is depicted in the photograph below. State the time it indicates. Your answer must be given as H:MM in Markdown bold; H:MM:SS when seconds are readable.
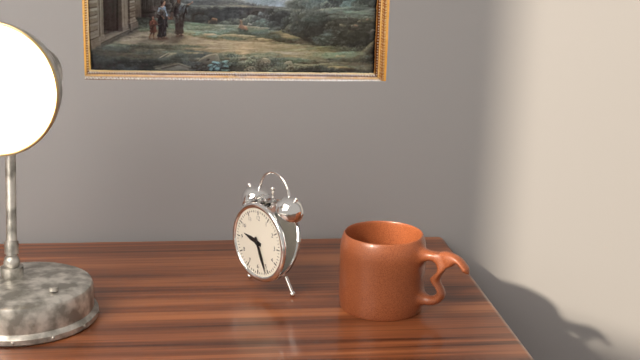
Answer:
**9:26**
